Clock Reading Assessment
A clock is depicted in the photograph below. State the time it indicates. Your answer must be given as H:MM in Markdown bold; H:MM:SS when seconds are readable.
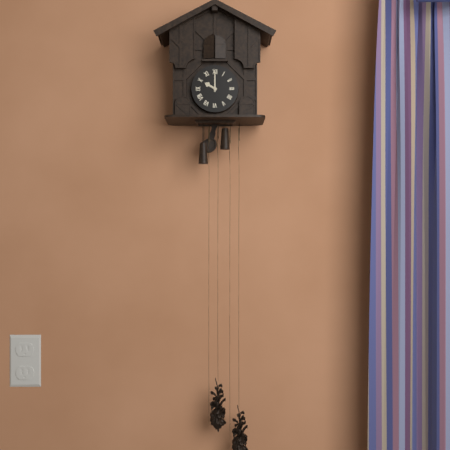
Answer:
**10:00**
